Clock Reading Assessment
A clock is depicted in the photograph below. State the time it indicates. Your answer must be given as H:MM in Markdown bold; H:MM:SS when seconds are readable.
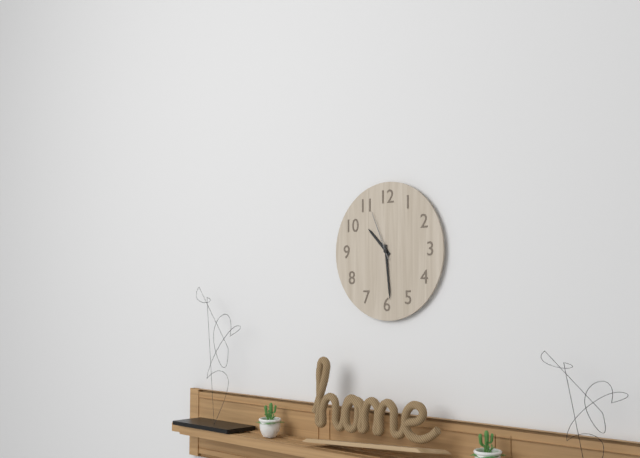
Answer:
**10:29:56**
